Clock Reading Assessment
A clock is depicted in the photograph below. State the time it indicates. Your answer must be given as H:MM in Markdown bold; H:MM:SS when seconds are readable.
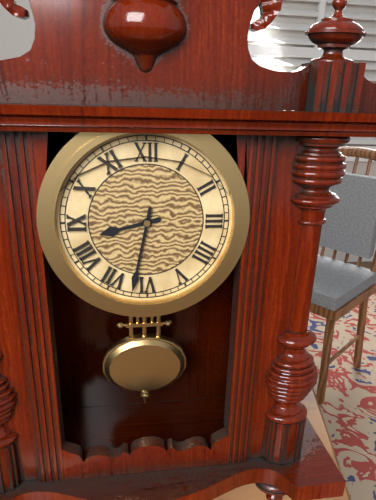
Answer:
**8:32**
